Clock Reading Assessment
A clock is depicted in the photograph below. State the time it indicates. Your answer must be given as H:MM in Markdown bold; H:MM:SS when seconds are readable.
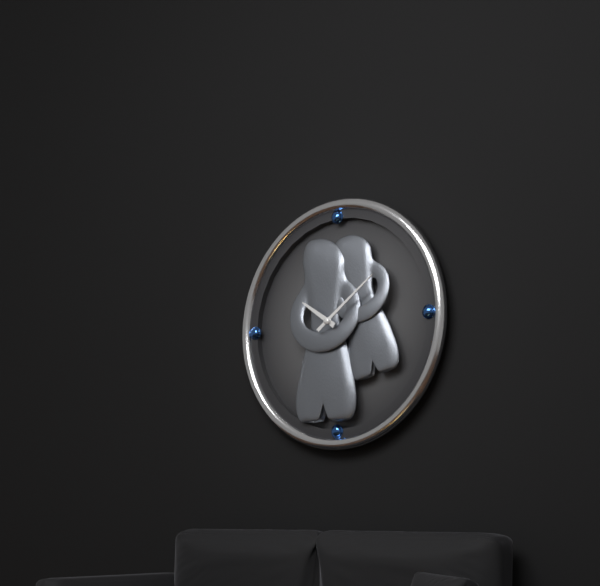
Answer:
**10:09**
